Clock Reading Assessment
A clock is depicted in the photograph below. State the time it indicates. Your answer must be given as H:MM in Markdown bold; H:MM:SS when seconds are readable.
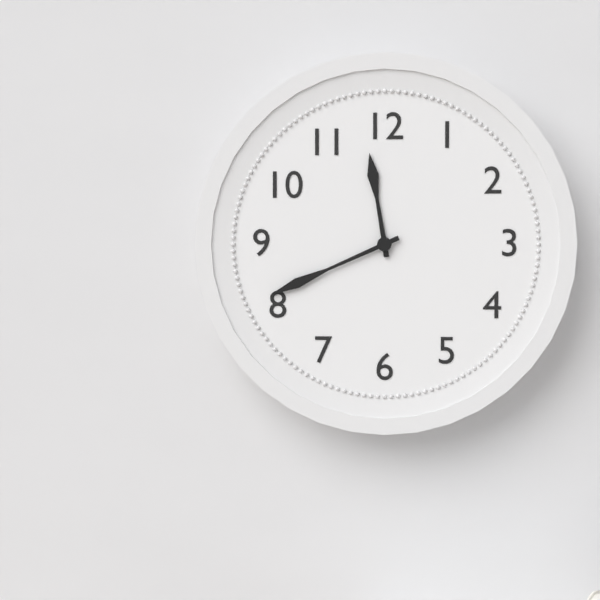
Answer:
**11:41**
